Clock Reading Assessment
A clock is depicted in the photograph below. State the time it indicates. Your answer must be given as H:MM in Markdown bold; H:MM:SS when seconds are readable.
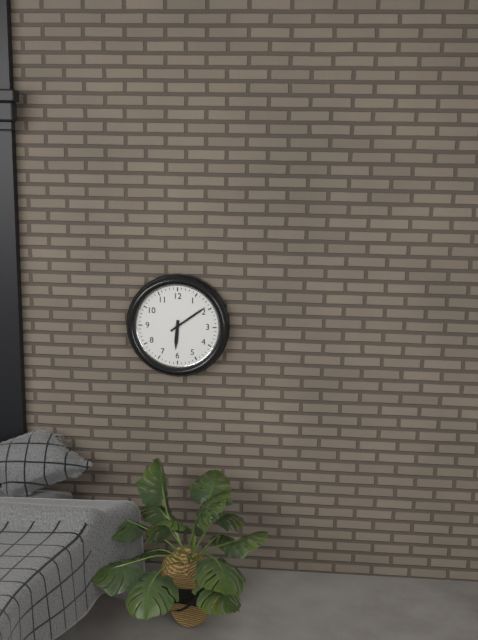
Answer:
**6:09**
